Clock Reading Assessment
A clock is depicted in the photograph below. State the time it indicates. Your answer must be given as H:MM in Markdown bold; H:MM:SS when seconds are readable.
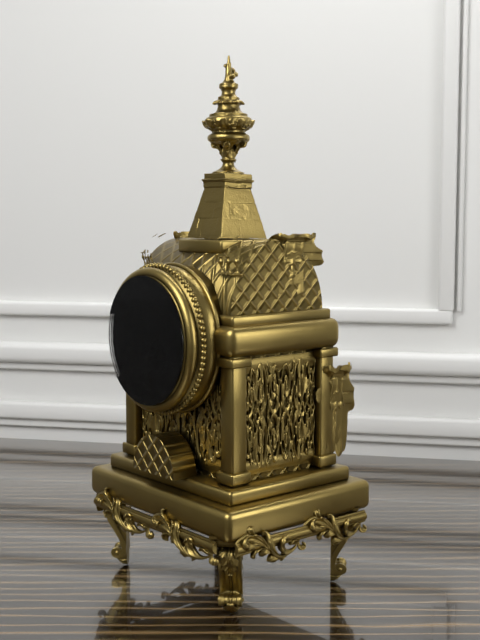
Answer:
**5:49**
